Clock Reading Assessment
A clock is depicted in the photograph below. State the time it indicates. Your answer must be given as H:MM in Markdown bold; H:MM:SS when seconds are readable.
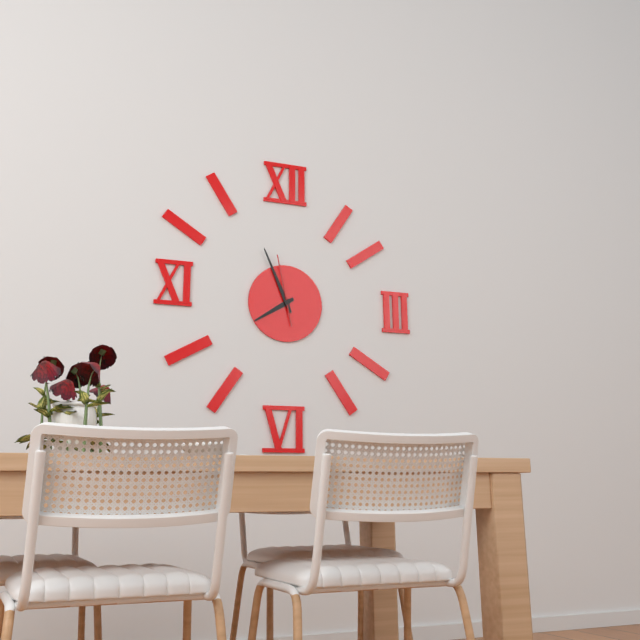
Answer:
**7:56:58**
